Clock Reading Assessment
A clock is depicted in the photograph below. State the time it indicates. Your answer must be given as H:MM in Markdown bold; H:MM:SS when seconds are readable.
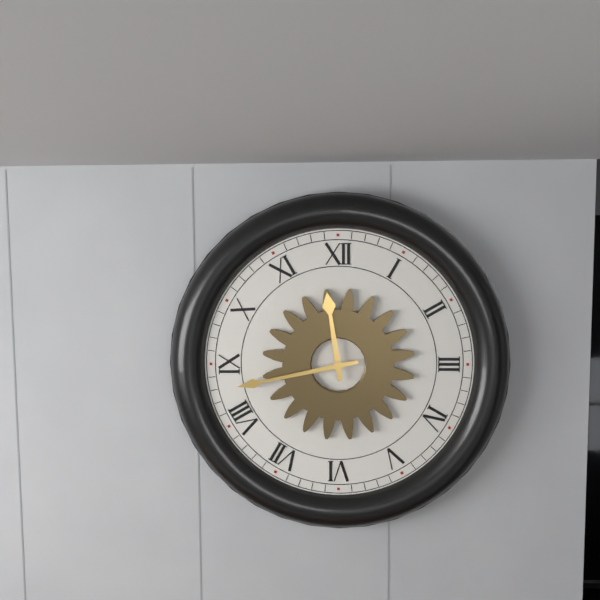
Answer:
**11:43**
